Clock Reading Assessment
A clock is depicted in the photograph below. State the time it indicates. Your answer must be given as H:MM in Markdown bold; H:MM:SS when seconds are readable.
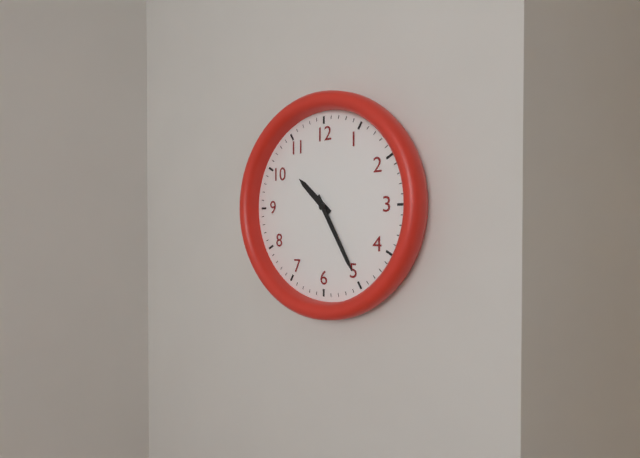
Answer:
**10:25**
